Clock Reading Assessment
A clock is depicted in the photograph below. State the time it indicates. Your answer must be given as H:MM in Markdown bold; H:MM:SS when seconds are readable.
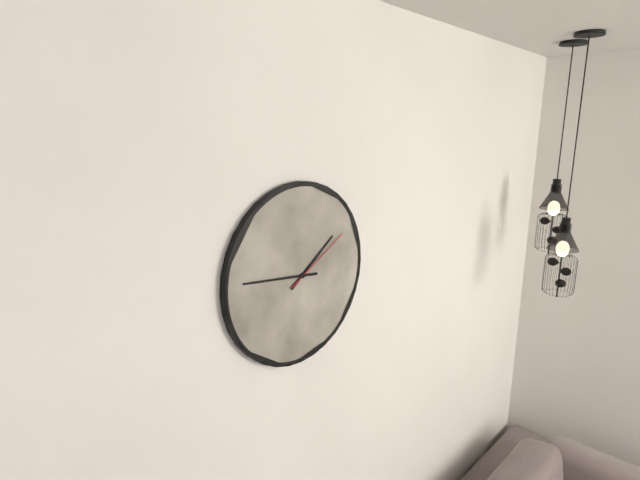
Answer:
**1:46:10**
